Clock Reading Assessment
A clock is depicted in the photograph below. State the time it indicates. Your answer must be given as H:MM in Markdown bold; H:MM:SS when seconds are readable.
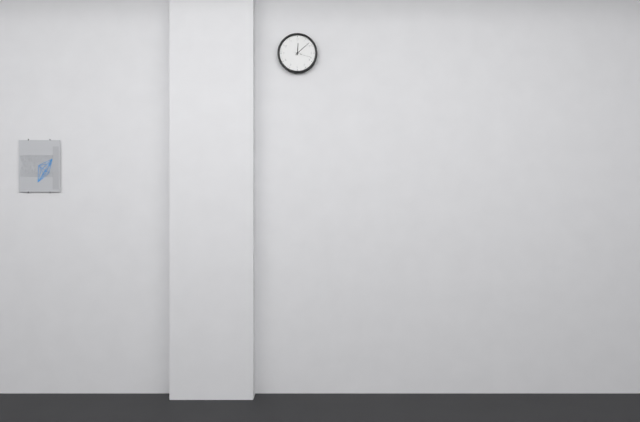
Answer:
**12:08**
